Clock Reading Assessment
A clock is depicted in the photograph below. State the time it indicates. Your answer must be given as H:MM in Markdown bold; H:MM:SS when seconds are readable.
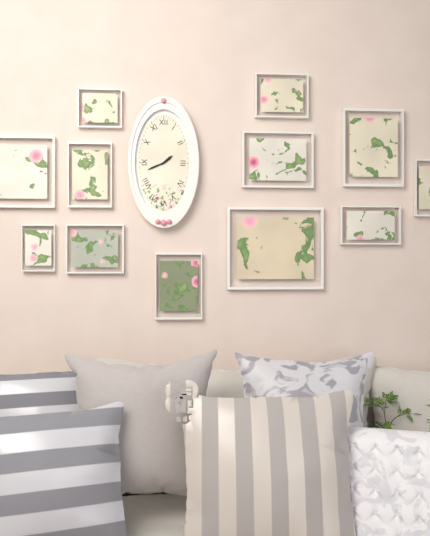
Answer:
**1:41**
